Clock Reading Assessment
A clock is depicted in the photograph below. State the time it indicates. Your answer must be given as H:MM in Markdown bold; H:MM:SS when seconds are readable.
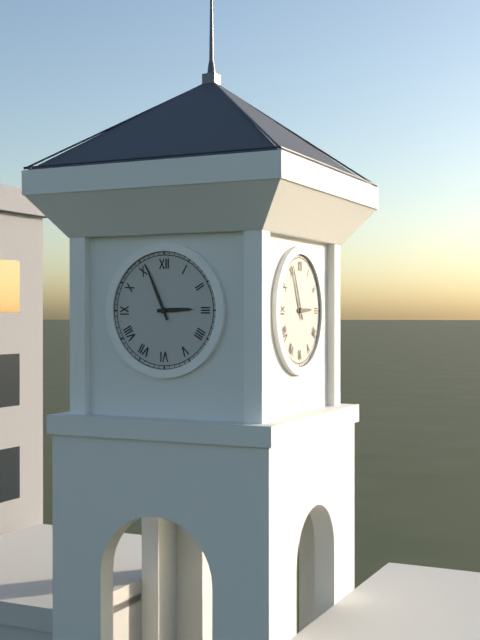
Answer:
**2:56**
